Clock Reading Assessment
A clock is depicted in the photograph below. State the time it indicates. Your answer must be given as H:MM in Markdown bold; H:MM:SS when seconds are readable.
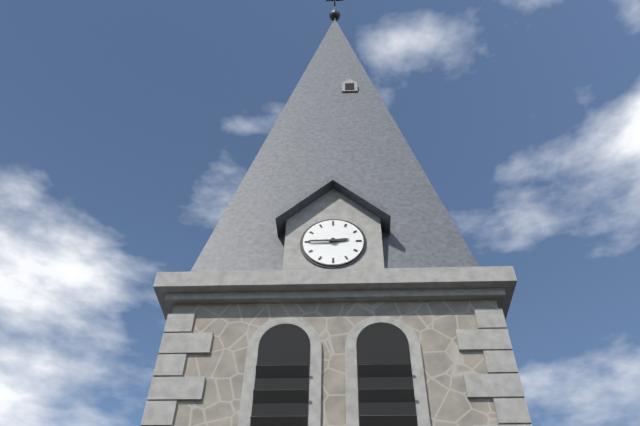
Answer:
**2:45**
